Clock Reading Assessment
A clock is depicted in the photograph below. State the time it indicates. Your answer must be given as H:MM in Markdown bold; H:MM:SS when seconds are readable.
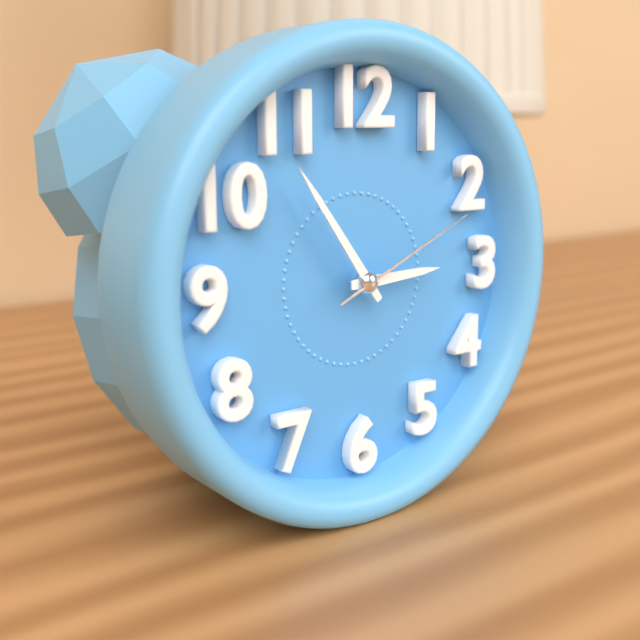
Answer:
**2:54:11**
